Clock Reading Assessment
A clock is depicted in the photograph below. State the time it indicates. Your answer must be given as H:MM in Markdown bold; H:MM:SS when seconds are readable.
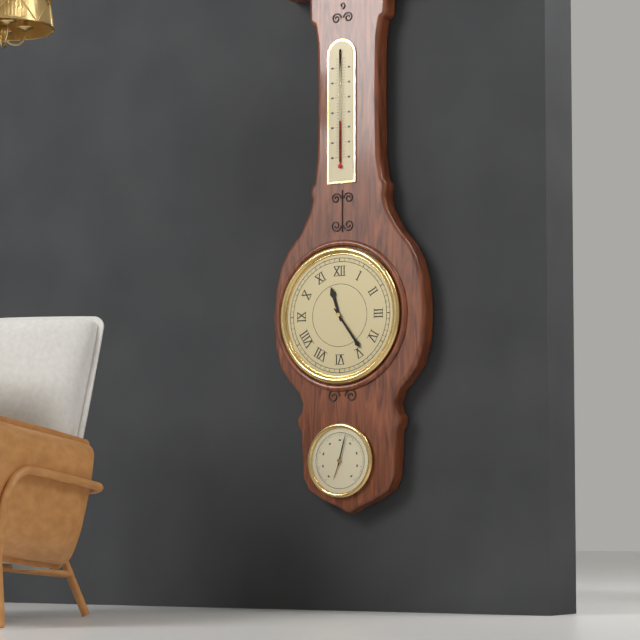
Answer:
**11:24**
